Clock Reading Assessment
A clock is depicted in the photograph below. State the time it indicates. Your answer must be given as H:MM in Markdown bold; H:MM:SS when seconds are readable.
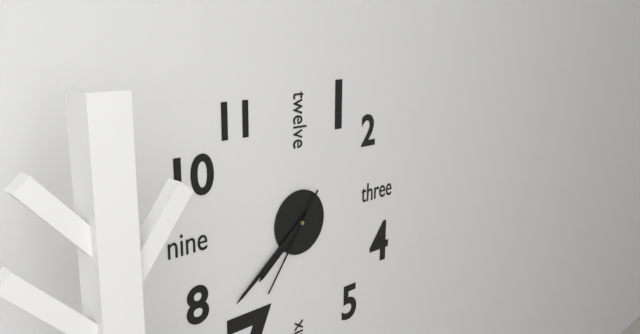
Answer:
**7:39:36**
